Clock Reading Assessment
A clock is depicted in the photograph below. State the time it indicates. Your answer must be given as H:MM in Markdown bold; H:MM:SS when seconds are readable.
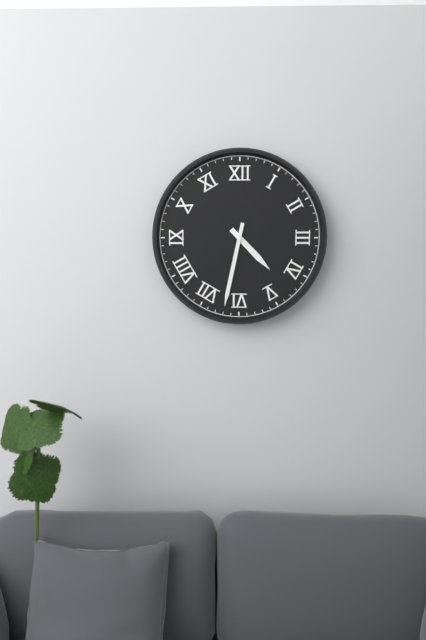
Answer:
**4:32**
